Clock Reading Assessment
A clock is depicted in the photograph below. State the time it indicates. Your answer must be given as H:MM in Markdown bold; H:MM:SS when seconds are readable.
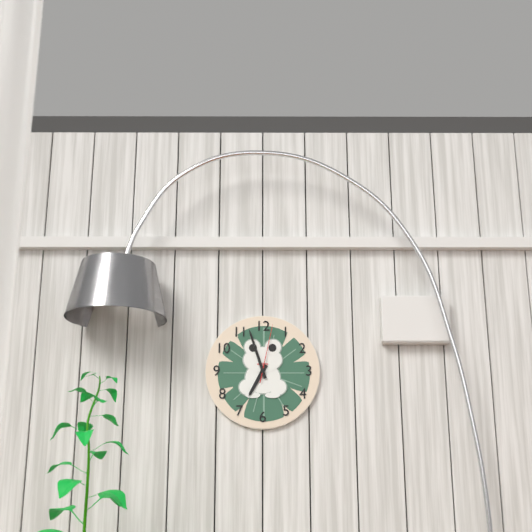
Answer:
**6:57:02**
